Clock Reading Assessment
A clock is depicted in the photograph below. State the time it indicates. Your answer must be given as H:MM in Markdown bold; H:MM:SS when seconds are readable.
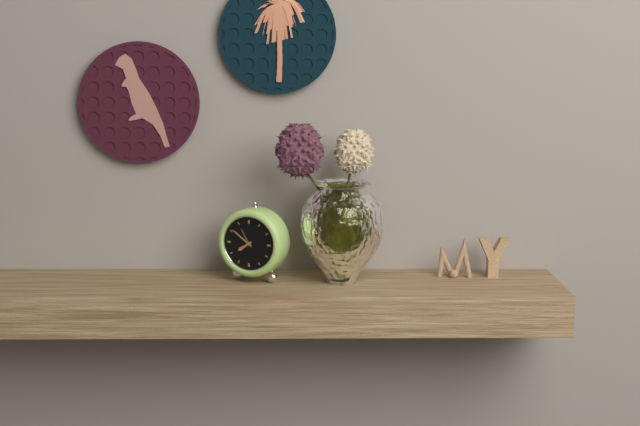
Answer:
**7:51**
